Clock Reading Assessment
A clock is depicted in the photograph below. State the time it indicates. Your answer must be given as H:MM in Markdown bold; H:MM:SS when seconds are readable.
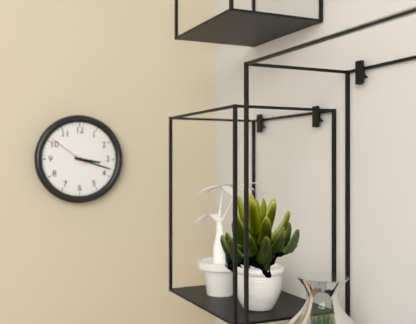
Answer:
**3:18**
